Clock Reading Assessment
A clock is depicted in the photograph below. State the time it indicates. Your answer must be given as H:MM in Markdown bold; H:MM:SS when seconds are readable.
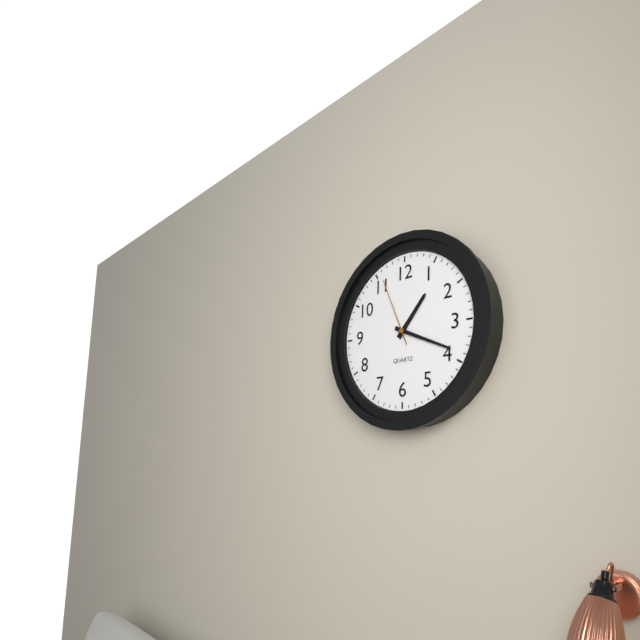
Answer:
**1:19:56**
